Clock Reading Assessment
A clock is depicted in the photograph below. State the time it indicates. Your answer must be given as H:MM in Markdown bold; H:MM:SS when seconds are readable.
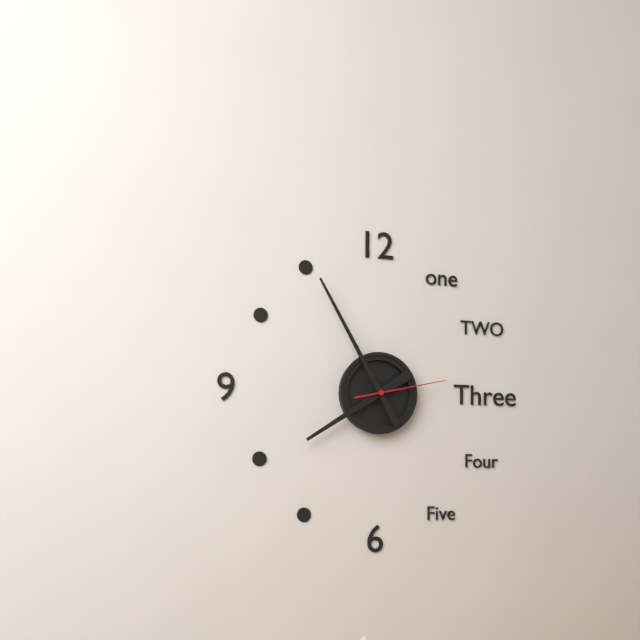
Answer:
**7:55:13**
